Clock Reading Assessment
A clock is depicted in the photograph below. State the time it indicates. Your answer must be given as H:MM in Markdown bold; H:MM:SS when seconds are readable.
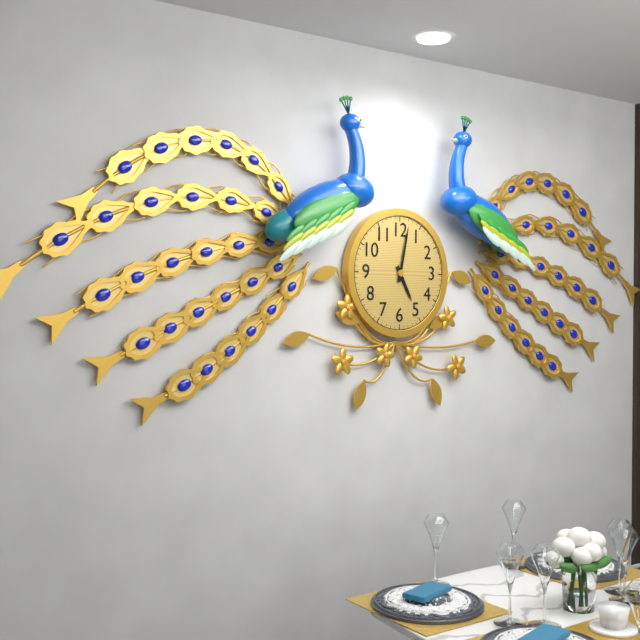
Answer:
**5:02**
